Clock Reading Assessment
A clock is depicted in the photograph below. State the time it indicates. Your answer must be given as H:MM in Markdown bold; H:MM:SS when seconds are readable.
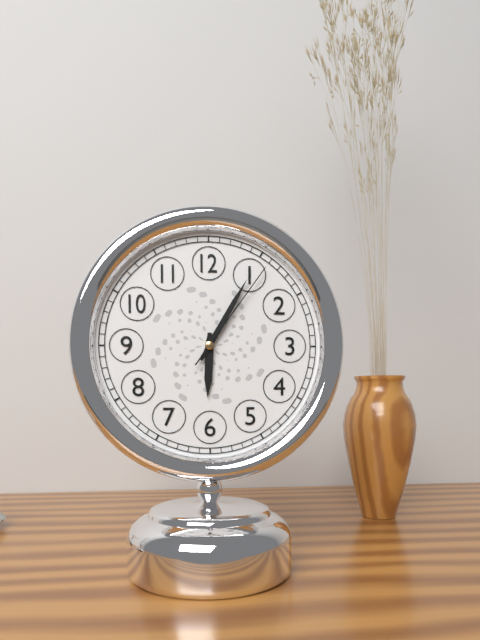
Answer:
**6:05:06**
